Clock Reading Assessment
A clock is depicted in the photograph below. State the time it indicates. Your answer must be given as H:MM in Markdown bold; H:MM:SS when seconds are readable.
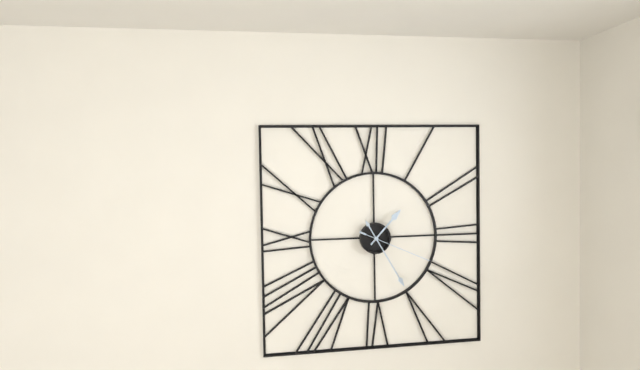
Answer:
**1:25:19**
